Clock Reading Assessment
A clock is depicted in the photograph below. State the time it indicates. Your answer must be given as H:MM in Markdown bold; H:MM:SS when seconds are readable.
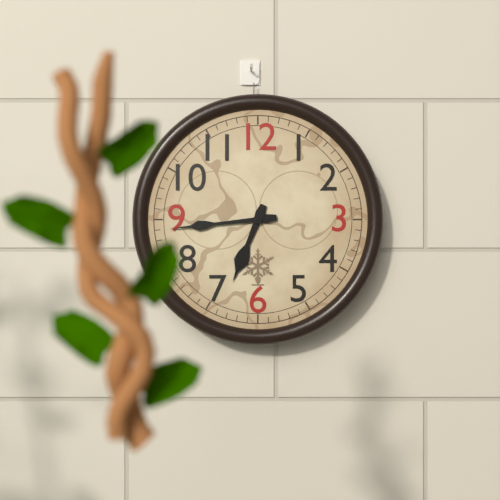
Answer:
**6:44**
